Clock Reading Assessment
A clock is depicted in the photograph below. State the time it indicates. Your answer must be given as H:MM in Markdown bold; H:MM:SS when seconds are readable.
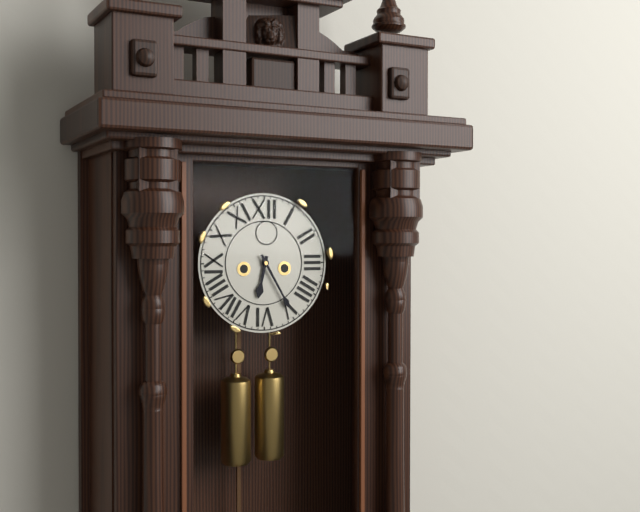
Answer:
**6:25**
